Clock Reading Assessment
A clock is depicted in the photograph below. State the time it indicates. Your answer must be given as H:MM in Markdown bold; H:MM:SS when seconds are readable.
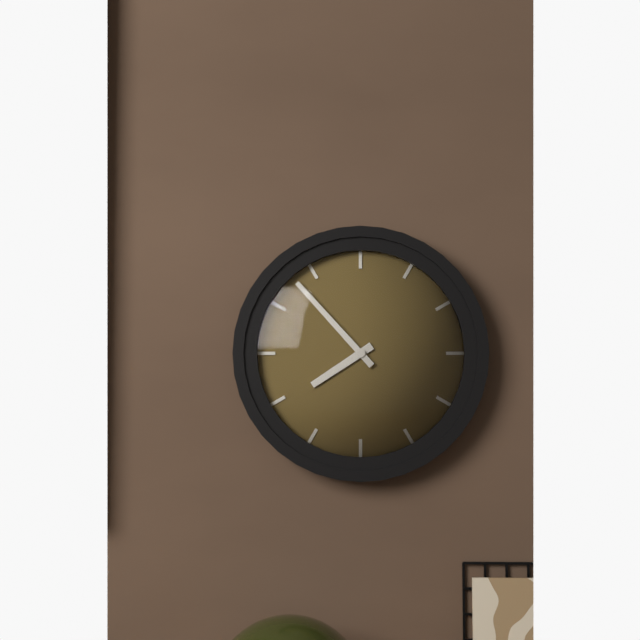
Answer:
**7:53**
